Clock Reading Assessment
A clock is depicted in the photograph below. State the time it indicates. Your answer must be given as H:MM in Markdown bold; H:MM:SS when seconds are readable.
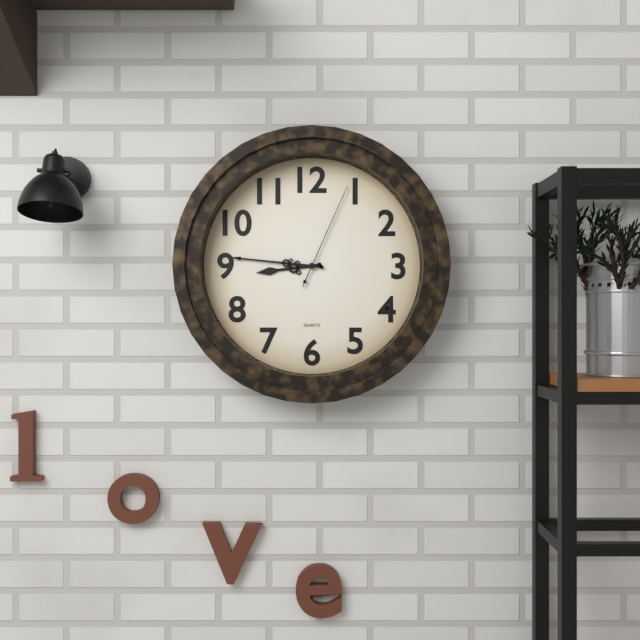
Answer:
**8:46:04**
